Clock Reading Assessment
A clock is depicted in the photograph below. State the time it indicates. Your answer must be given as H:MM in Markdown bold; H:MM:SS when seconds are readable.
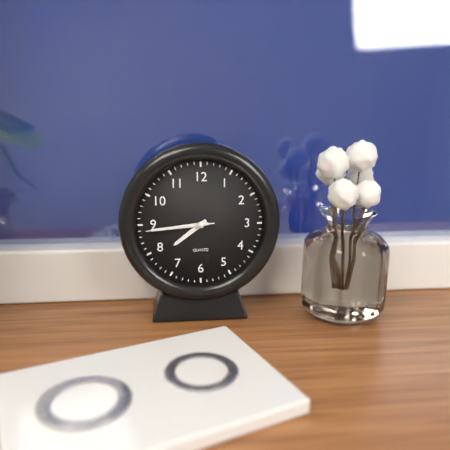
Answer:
**7:44:44**
